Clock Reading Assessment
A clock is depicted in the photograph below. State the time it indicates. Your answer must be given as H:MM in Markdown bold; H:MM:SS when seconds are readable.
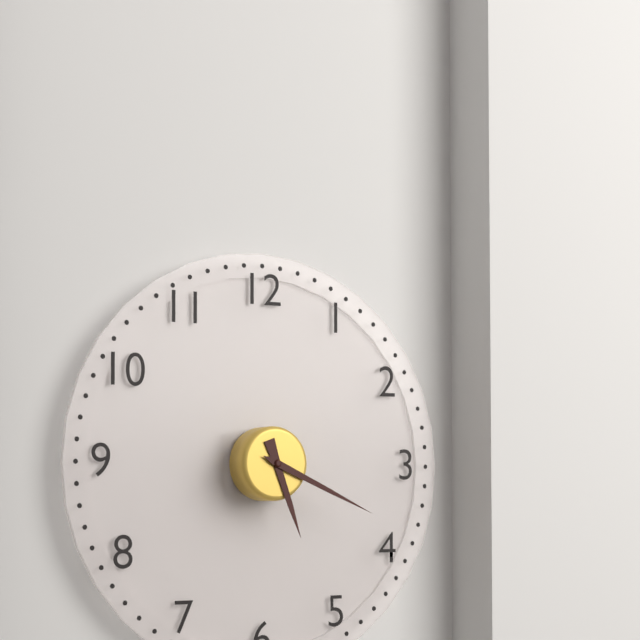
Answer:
**5:19**
